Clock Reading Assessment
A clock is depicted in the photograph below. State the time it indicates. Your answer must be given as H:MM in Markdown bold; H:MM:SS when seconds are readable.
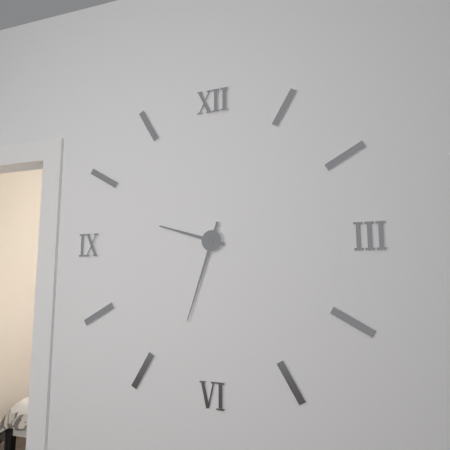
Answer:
**9:33**
